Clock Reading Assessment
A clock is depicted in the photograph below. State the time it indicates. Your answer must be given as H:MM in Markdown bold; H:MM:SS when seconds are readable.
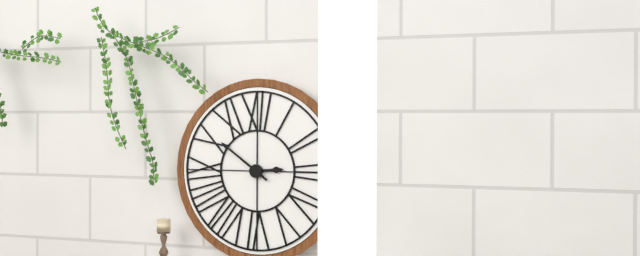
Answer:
**2:51**
